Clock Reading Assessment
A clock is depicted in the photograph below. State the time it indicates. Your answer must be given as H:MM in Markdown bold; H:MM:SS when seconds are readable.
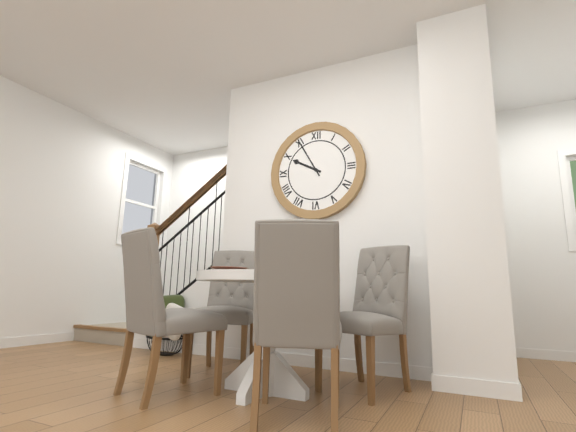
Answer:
**9:55**
